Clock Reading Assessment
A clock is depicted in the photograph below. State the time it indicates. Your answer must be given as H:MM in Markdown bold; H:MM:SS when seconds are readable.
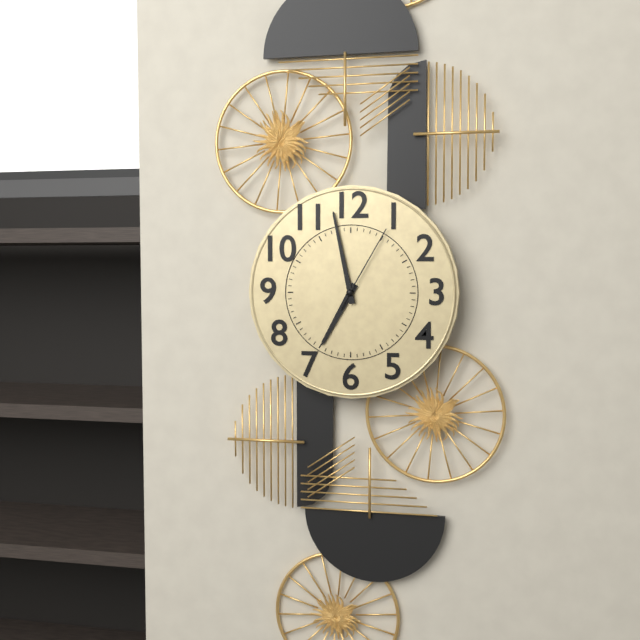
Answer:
**6:58:05**
